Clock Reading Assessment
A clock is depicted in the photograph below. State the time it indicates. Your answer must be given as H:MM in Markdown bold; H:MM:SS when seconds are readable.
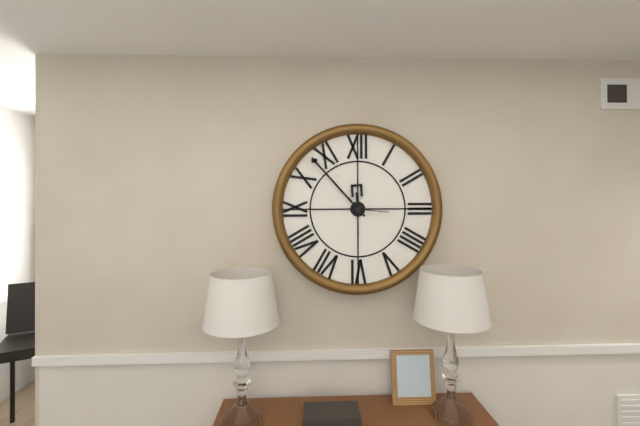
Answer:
**11:53**
